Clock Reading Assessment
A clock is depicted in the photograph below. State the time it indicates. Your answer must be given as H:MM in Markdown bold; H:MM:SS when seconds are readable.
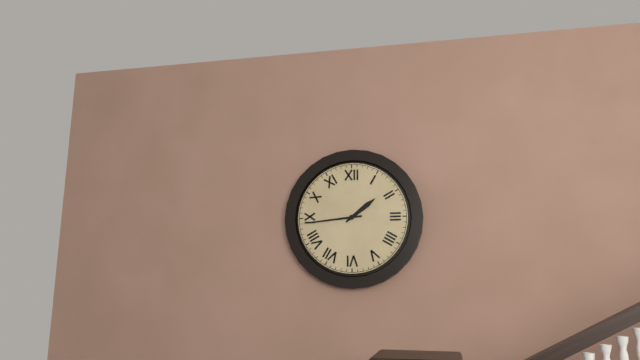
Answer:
**1:44**
